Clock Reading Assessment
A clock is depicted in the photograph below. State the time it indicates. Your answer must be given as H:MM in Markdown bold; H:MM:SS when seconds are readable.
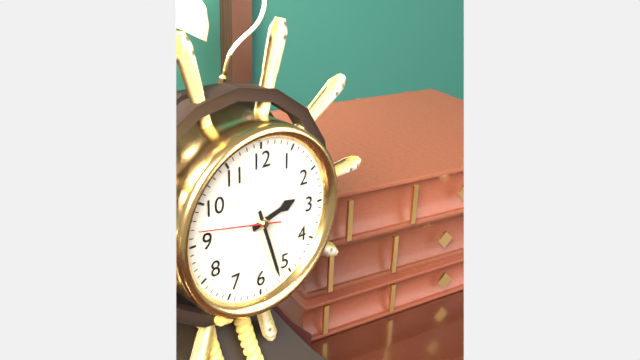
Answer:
**2:27:47**
